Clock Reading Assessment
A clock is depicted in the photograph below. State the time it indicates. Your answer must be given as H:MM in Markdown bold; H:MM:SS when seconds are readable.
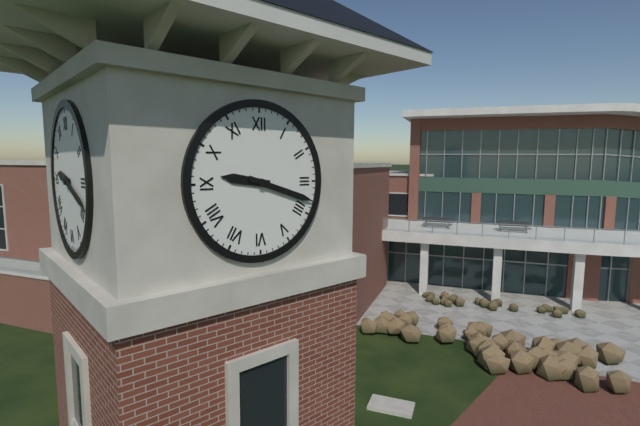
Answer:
**9:18**
